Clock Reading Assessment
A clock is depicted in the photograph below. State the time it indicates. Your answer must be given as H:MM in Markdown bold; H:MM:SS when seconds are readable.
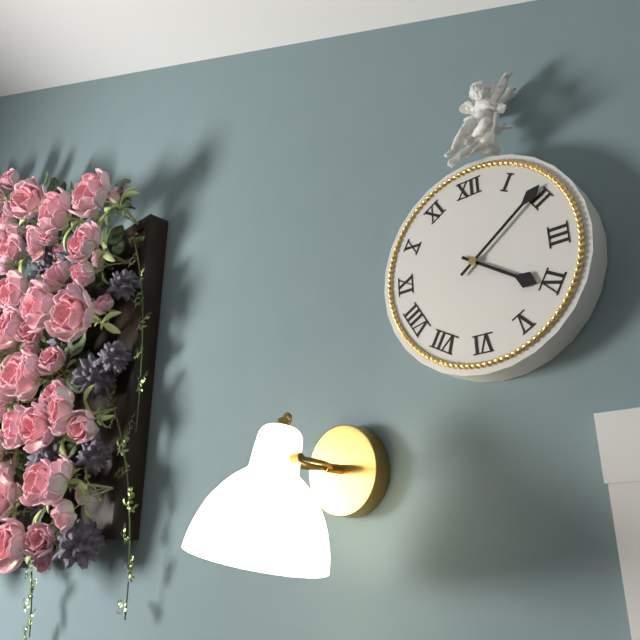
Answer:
**4:09**
